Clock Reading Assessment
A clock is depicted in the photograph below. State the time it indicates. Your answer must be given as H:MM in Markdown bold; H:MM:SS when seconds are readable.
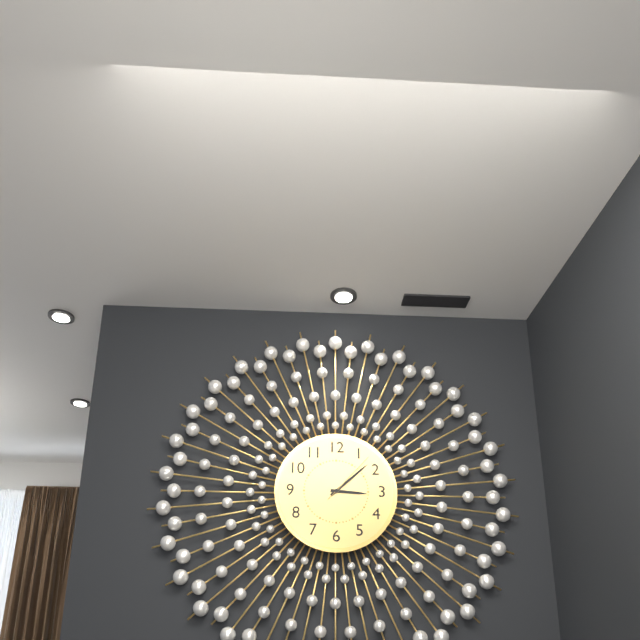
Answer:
**3:08:07**
